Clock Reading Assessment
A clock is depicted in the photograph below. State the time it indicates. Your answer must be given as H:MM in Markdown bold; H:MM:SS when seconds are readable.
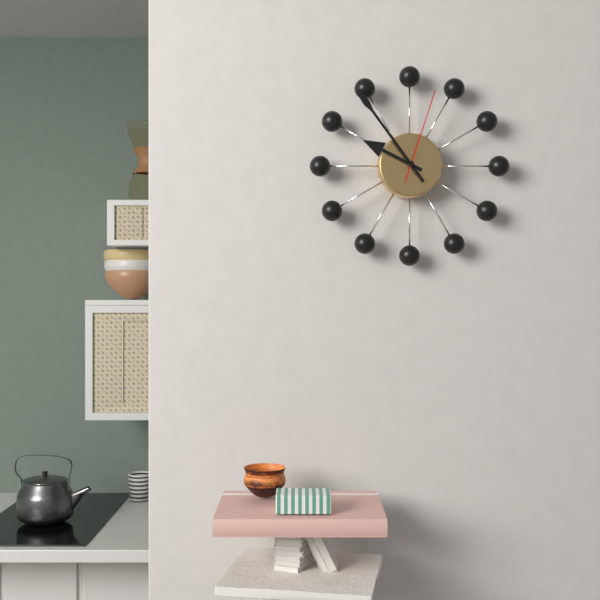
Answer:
**9:54:03**
